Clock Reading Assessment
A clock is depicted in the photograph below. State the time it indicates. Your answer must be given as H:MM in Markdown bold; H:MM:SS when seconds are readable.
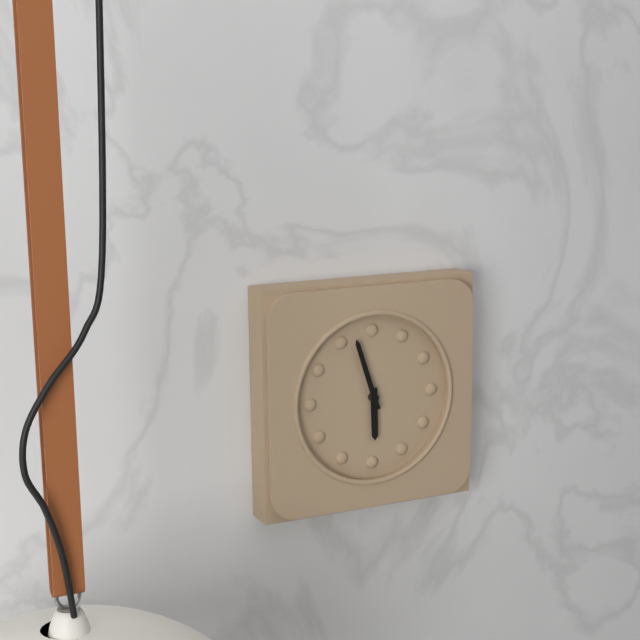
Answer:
**5:57**
